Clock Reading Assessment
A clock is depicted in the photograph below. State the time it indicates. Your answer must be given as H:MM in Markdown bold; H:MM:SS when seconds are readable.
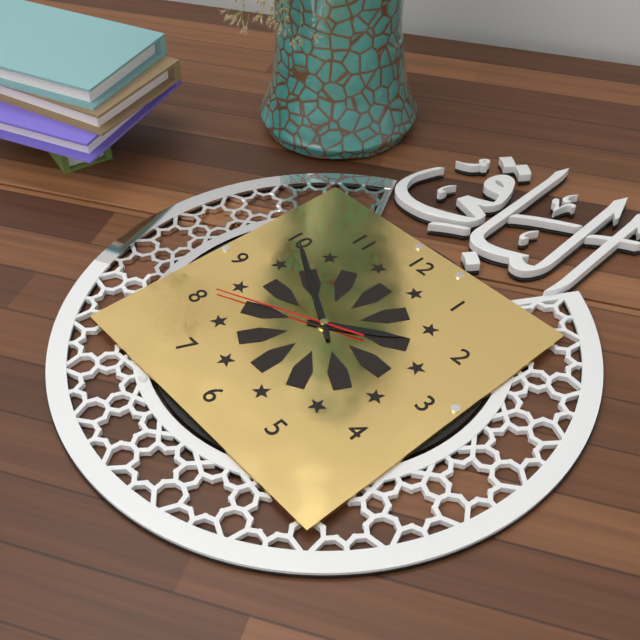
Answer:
**1:50:41**
